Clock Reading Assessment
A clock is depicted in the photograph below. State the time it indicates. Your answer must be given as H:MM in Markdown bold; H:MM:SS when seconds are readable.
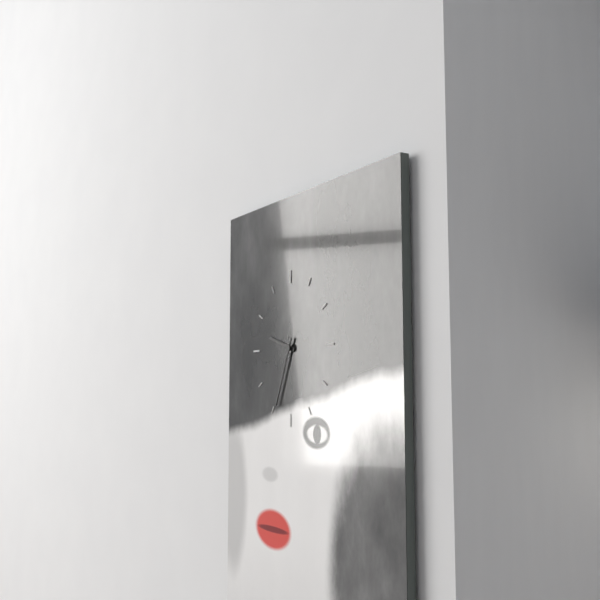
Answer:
**9:34**
